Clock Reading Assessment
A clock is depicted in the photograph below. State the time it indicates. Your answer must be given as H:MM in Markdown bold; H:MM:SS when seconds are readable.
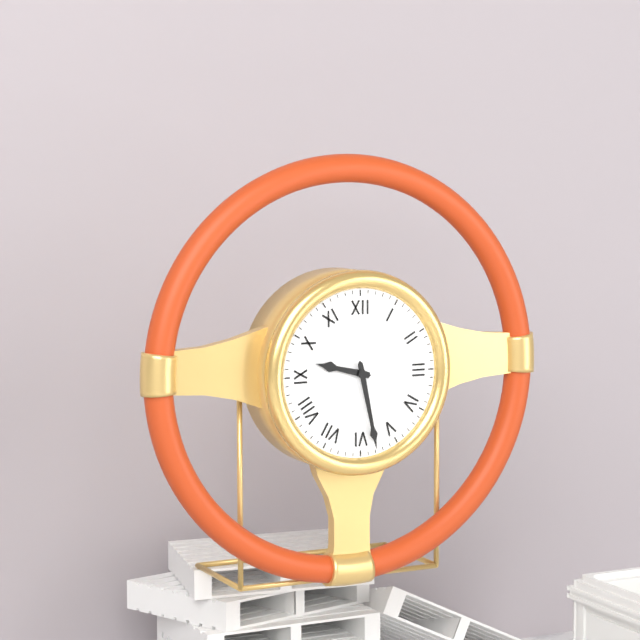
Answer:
**9:28**
